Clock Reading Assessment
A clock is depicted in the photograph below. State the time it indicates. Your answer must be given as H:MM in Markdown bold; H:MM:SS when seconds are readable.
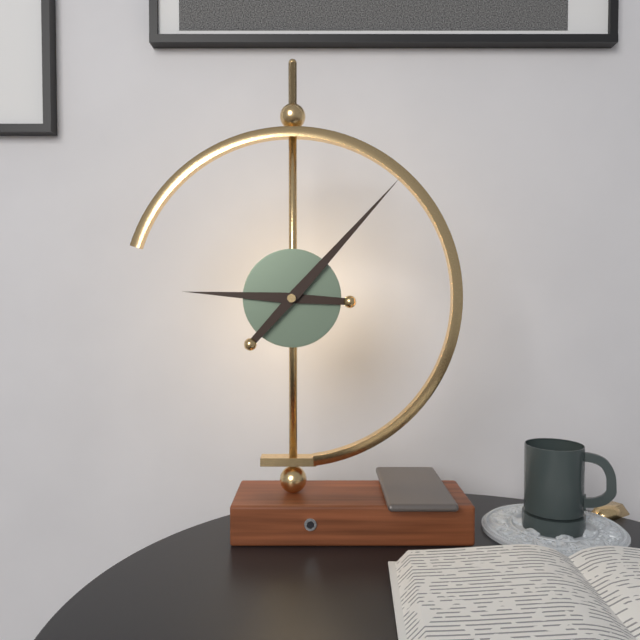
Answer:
**9:07**
